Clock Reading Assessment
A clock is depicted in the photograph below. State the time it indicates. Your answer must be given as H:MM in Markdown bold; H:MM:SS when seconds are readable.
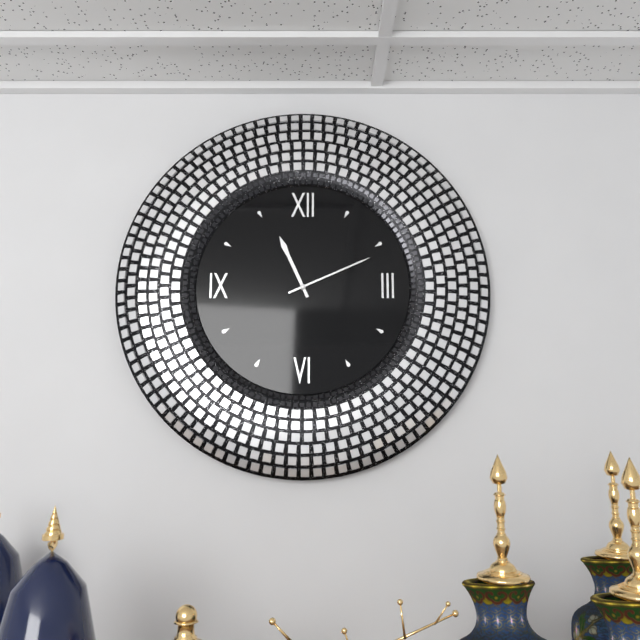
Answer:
**11:11**
